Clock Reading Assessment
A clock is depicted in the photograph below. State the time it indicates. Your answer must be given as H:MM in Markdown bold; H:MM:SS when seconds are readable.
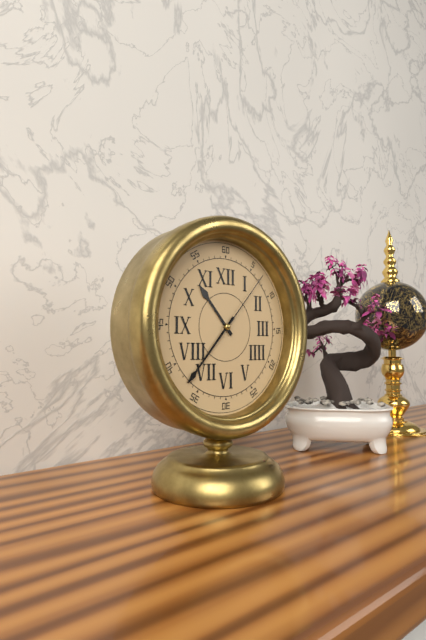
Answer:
**10:37:07**
